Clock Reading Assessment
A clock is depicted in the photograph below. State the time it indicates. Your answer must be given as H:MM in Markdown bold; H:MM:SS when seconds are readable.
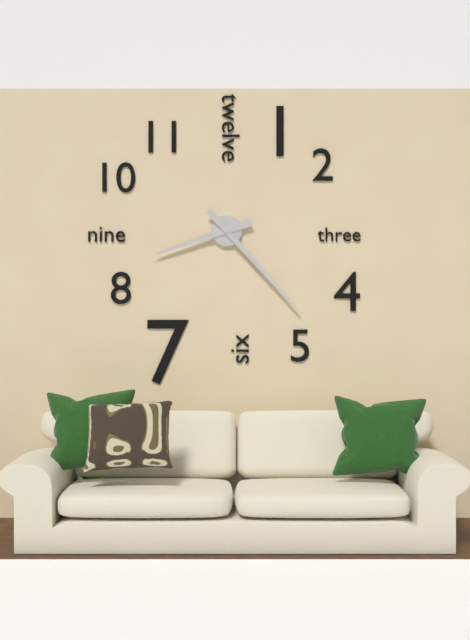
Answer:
**8:23**
